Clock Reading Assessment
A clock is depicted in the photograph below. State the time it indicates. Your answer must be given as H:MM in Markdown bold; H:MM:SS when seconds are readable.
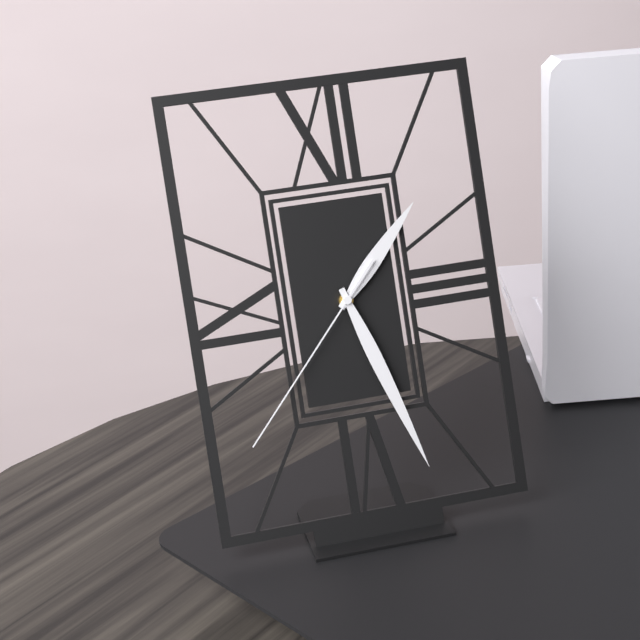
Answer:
**1:27:37**
